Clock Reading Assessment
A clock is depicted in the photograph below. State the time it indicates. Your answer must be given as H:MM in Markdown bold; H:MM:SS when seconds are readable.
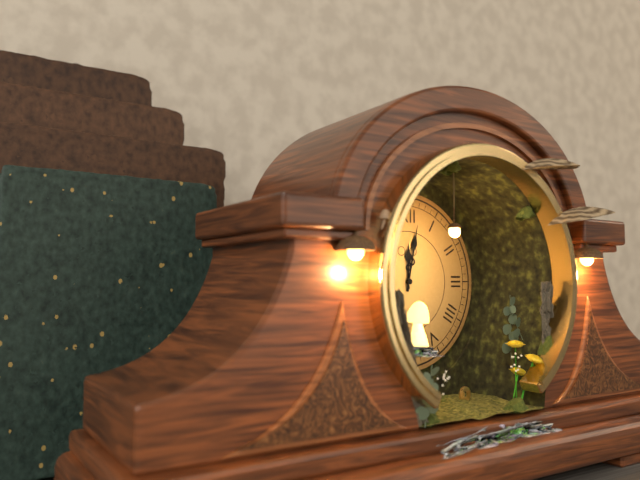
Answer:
**12:02**
